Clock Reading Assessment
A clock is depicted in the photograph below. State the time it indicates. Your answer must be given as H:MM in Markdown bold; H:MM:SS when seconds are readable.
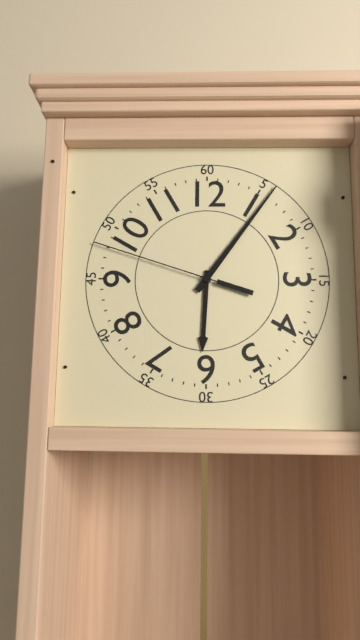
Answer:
**6:06:48**
